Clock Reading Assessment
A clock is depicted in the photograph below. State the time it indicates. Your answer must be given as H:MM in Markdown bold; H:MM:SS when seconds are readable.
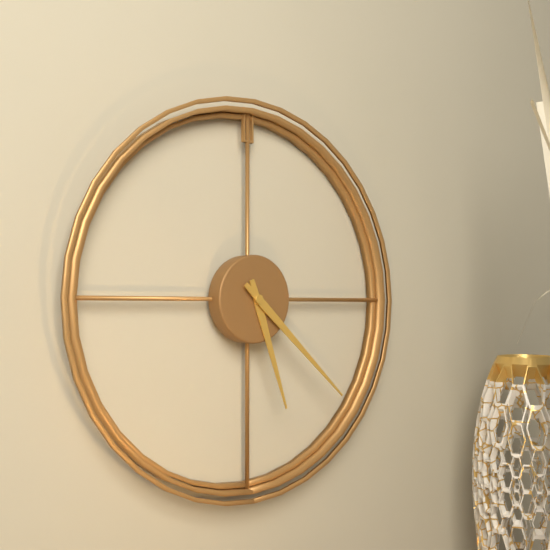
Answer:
**5:22**
